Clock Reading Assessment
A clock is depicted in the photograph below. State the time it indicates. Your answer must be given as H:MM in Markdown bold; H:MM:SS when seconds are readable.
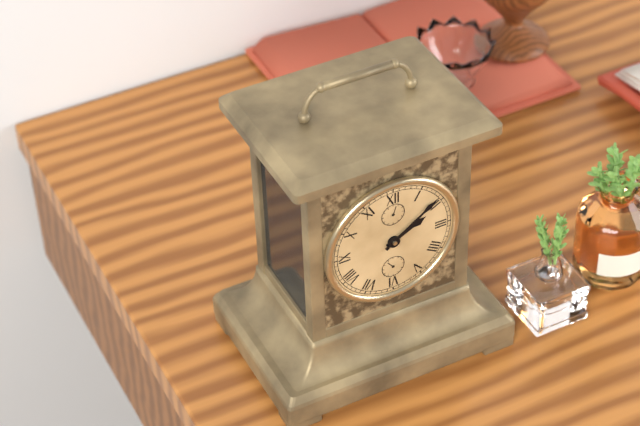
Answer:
**2:09**
